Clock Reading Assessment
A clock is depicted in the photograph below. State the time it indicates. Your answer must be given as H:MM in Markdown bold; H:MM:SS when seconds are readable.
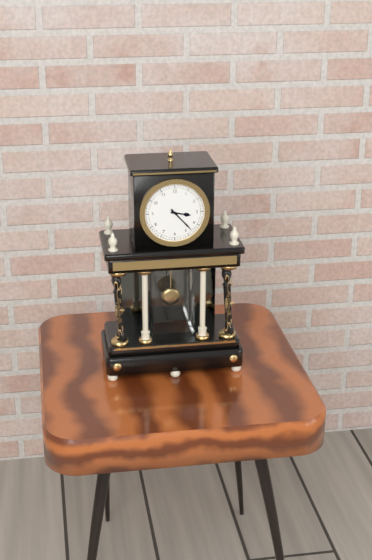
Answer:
**3:23**
